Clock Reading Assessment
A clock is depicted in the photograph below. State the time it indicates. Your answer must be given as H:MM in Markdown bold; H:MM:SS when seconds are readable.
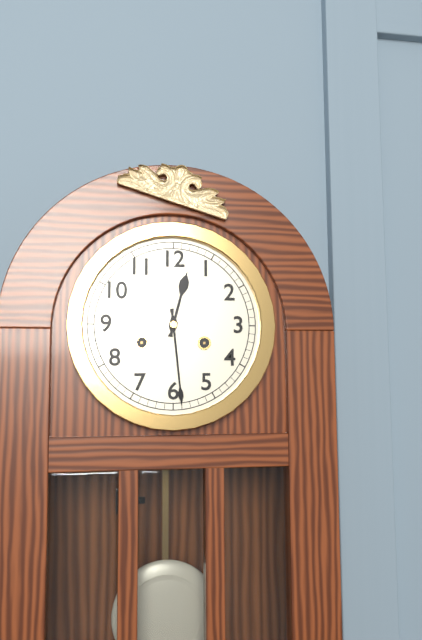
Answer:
**12:29**
